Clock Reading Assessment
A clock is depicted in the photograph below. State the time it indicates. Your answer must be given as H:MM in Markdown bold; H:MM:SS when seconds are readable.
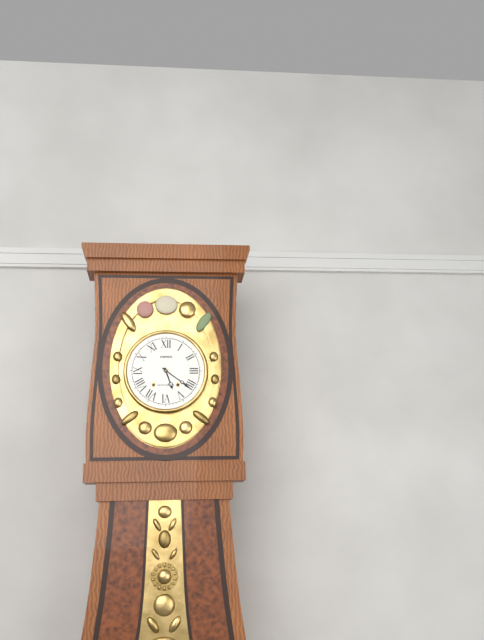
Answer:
**5:21**
